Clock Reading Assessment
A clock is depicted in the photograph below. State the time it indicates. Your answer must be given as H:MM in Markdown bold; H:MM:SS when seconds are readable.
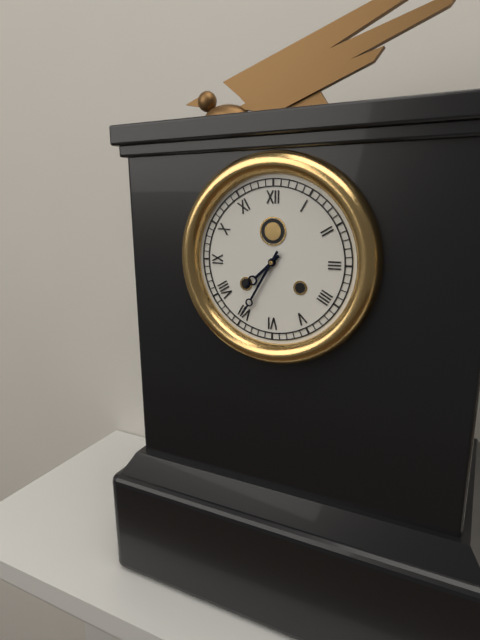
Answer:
**7:35**
